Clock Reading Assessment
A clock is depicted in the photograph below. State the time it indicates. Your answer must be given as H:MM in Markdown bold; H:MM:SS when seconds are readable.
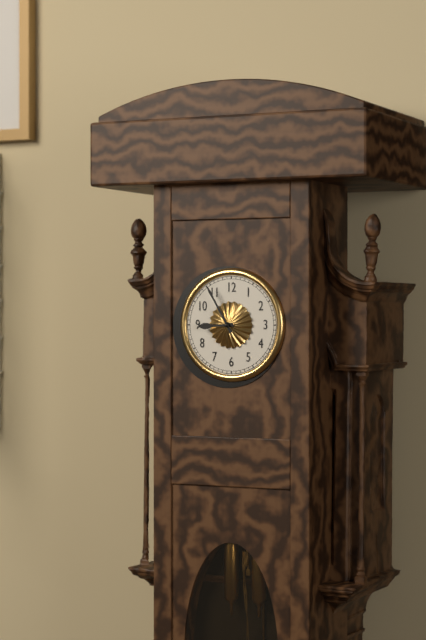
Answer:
**8:55**
